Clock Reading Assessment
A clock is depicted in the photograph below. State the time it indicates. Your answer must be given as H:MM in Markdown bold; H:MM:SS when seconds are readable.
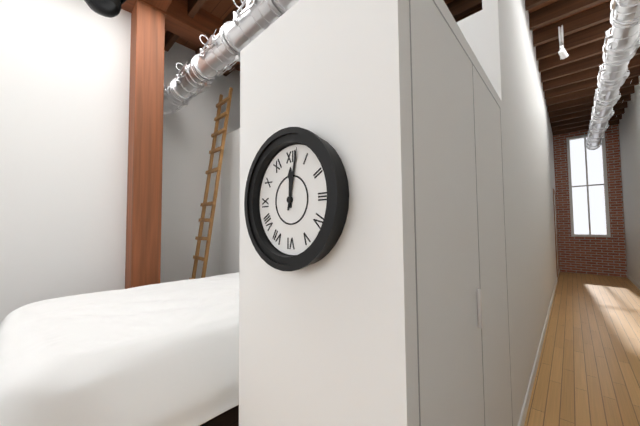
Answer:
**12:02**
